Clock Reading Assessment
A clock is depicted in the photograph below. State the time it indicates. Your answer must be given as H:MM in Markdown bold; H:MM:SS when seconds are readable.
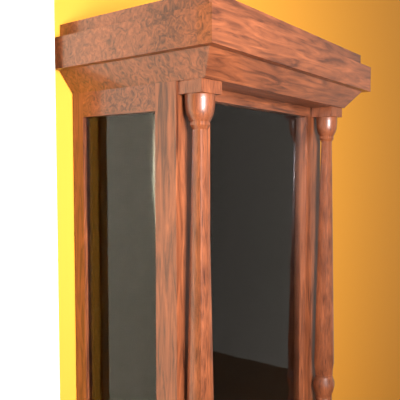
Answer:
**3:37**
